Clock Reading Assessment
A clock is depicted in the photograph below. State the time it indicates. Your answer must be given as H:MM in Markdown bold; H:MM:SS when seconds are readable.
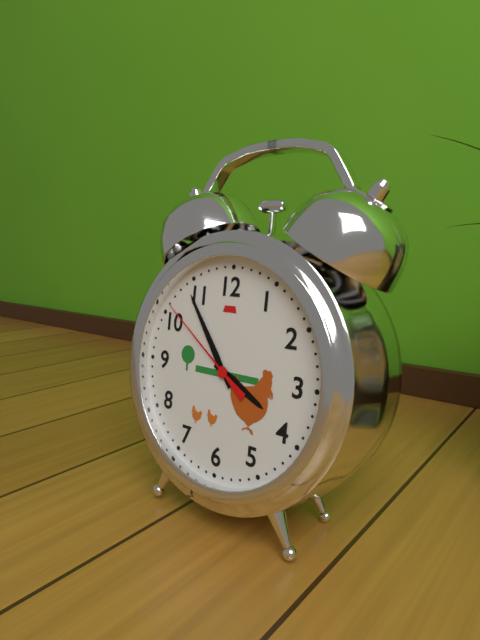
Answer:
**3:54:51**
